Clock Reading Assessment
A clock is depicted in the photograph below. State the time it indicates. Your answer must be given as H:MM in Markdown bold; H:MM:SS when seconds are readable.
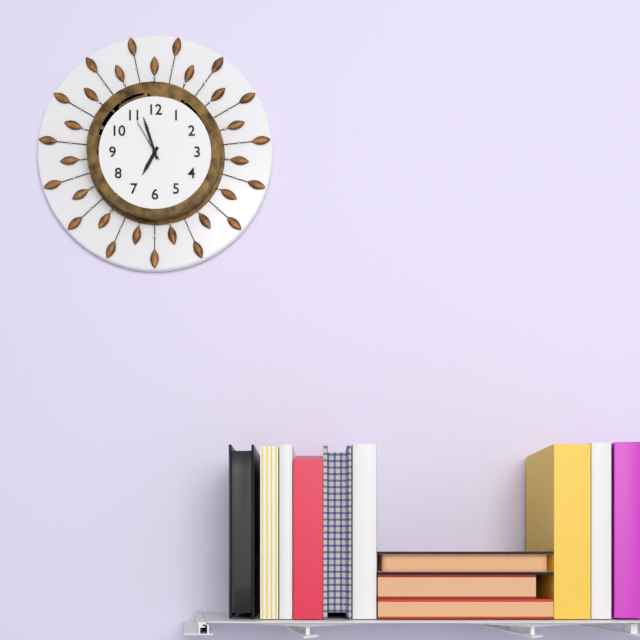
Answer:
**6:57**
